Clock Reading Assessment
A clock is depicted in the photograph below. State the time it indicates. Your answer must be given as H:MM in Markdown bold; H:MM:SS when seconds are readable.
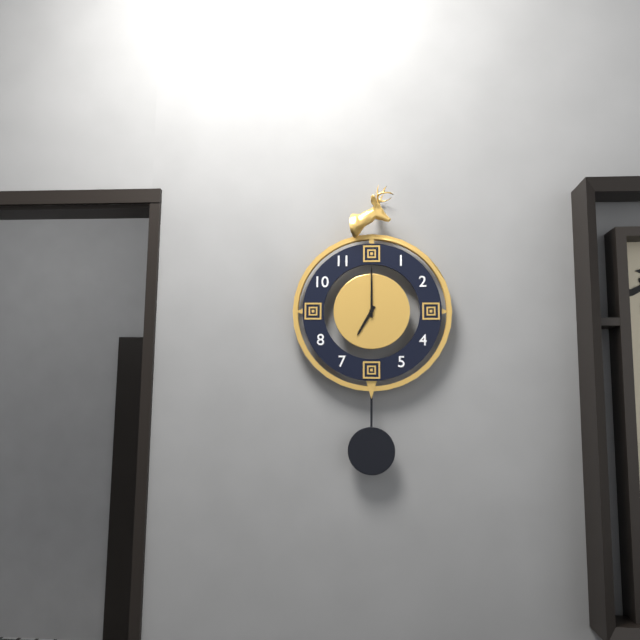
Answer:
**7:00**
